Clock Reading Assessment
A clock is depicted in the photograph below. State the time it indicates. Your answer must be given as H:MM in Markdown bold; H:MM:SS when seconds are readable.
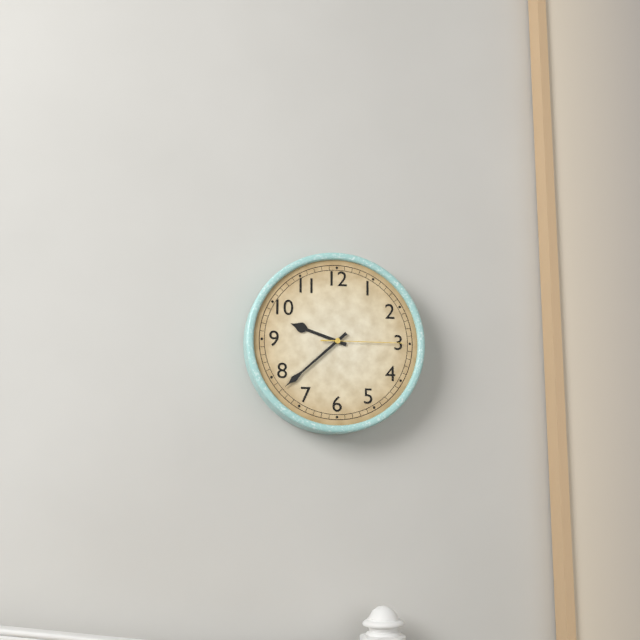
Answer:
**9:38:15**
